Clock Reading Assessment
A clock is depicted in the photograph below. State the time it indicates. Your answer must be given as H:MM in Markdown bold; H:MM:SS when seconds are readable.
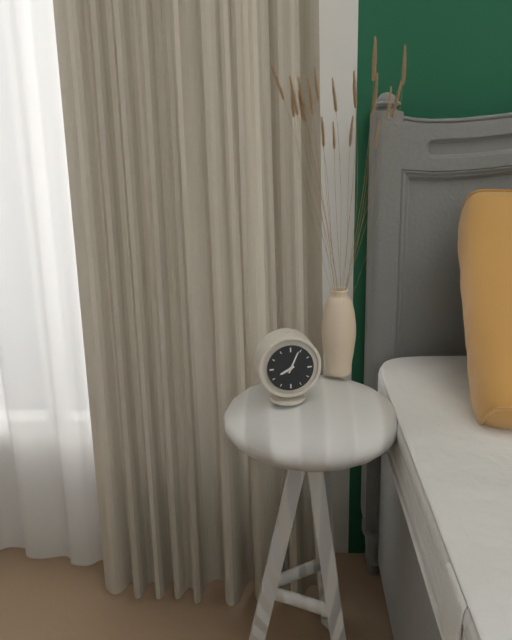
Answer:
**8:04**
